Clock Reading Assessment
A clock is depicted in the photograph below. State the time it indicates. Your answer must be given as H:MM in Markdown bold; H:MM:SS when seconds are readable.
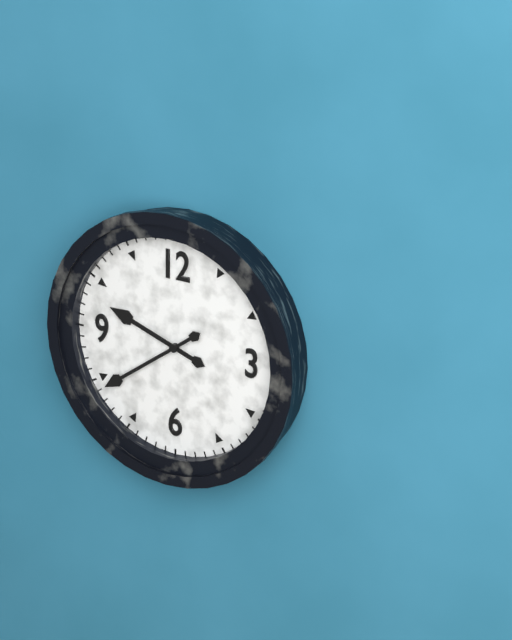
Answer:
**9:39**
